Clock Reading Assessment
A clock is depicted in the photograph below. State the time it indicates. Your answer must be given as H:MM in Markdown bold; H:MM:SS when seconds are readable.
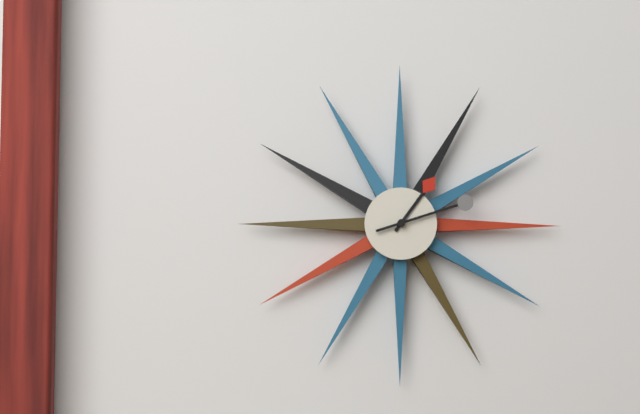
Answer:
**1:12**
